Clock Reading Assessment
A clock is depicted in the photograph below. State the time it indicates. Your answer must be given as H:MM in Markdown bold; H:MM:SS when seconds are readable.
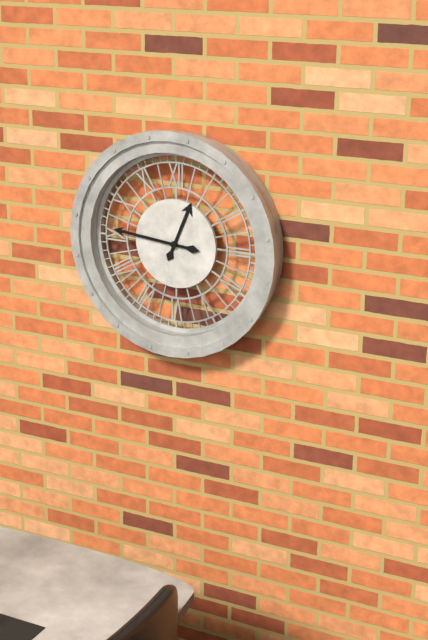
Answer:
**12:46**
